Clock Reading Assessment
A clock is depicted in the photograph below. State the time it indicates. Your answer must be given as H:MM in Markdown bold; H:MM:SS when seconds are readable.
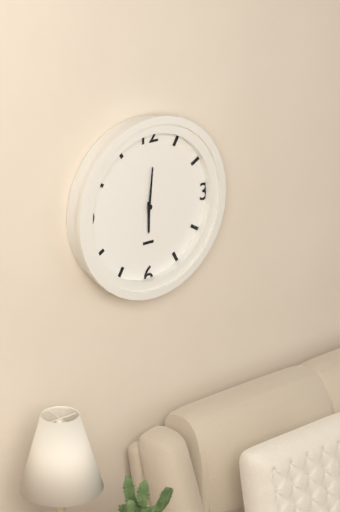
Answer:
**6:01**
